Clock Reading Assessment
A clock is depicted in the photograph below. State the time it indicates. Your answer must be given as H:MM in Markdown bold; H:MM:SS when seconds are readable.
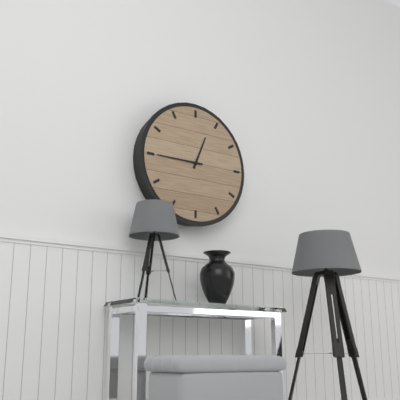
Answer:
**12:45**
